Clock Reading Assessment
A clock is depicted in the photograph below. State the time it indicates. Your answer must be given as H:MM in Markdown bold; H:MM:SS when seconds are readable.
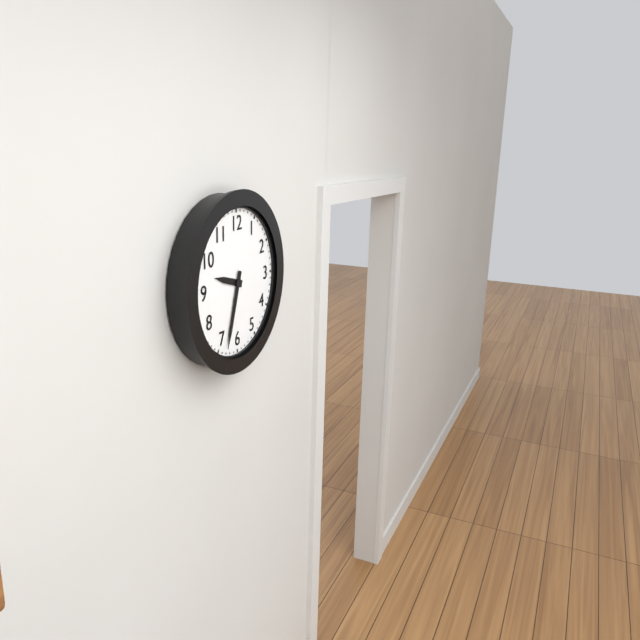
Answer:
**9:33**
